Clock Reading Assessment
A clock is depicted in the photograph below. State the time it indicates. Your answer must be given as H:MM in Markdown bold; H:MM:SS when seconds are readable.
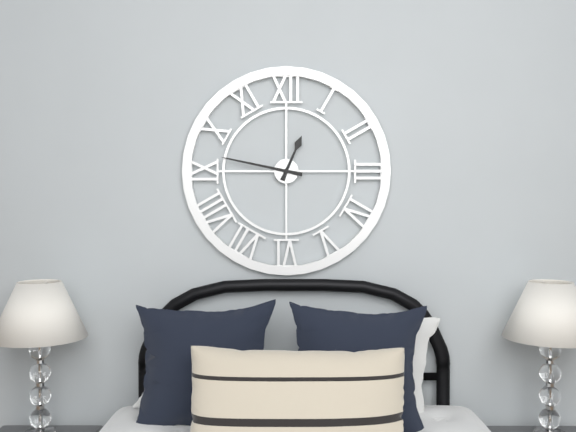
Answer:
**12:47**
